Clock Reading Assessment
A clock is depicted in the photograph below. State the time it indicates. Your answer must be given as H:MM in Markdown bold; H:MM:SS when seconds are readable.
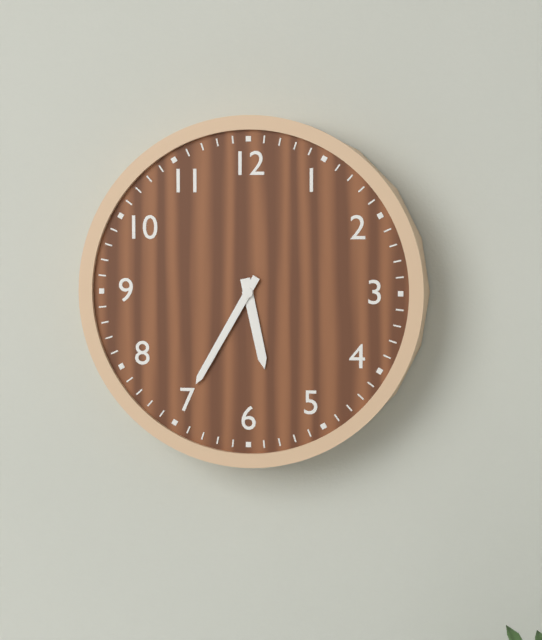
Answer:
**5:35**
